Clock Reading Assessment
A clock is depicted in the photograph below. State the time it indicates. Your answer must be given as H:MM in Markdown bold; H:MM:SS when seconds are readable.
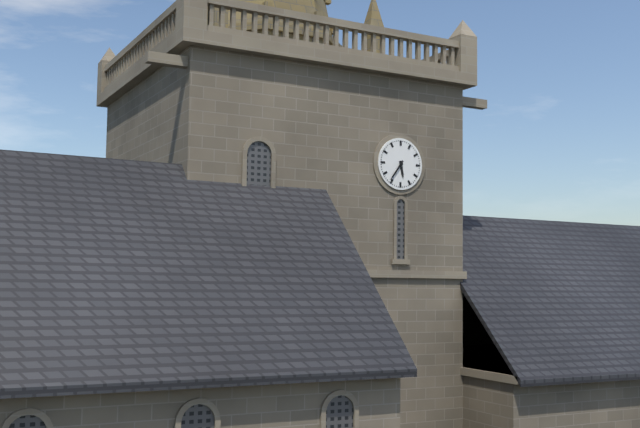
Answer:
**5:36**
